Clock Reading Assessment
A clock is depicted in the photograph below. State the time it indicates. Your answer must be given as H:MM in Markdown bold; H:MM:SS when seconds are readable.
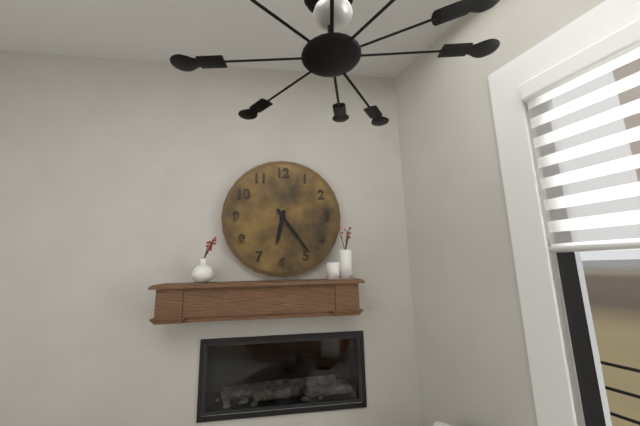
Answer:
**6:24**
